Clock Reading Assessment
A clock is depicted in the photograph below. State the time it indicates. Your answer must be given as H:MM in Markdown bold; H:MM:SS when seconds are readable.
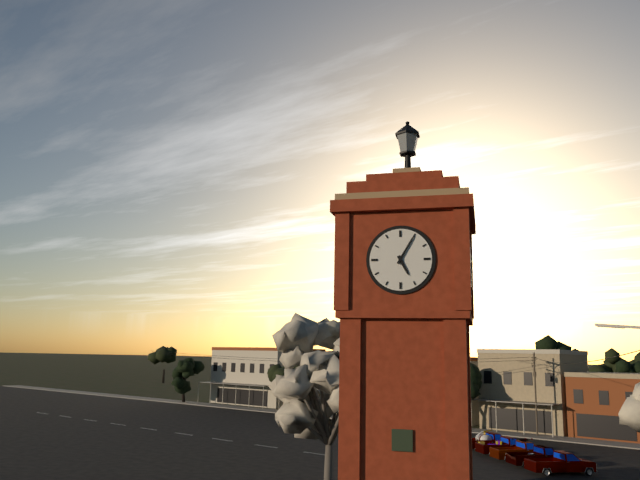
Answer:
**5:05**
